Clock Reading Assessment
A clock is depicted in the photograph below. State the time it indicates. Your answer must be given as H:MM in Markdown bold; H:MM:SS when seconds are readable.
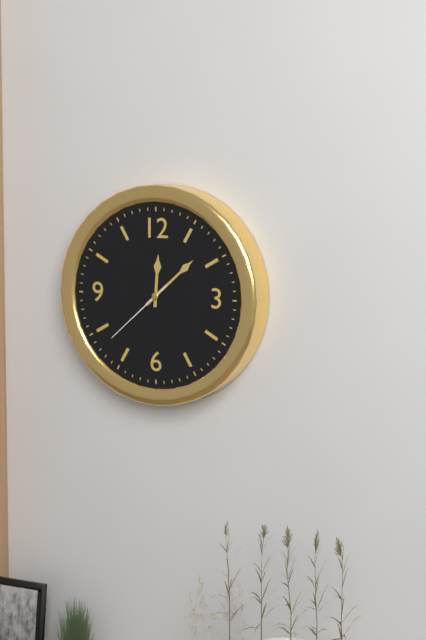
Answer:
**12:08:38**
